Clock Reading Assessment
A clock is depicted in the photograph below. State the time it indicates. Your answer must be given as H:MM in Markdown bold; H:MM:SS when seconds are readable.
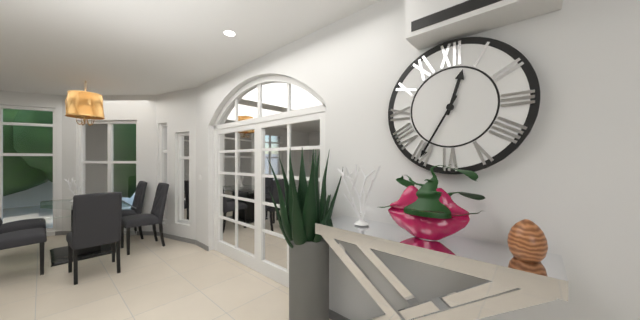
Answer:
**12:35**
